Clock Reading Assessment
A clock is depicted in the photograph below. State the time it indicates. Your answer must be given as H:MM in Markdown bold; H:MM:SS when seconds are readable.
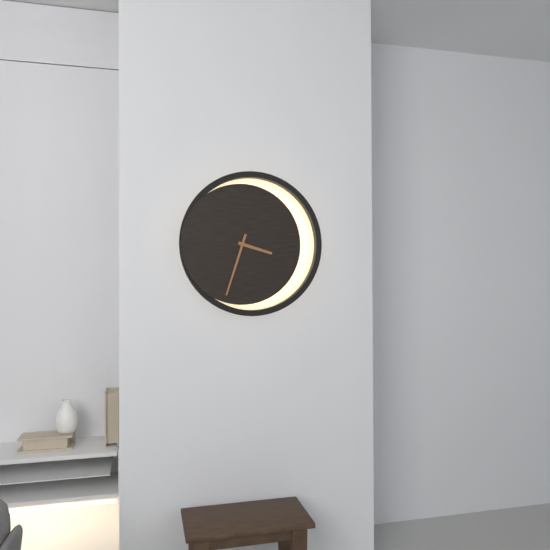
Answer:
**3:33**
